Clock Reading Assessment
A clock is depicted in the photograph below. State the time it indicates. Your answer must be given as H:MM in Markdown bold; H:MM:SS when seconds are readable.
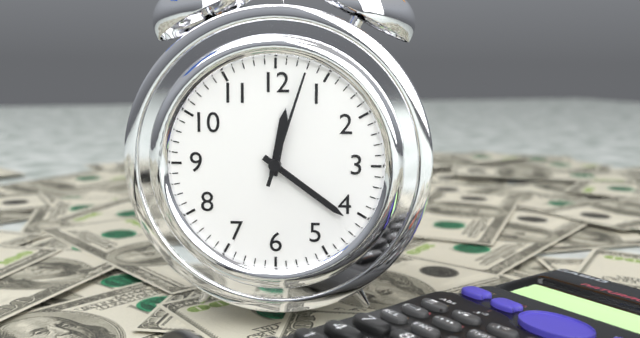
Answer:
**12:21:03**
